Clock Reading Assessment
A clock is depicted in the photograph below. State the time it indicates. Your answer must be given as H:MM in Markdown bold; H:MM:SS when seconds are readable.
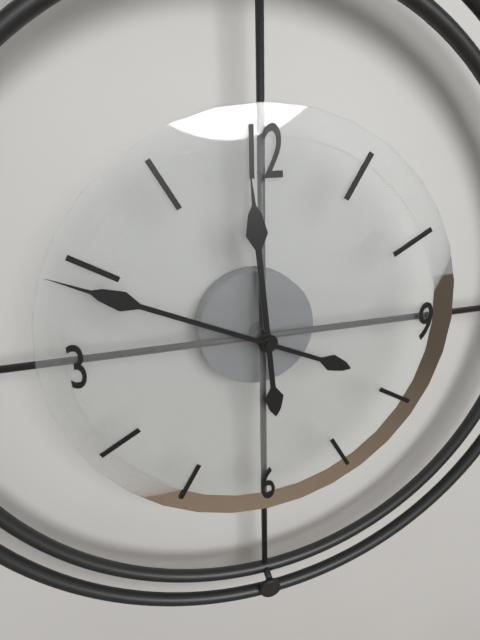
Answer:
**11:49**
